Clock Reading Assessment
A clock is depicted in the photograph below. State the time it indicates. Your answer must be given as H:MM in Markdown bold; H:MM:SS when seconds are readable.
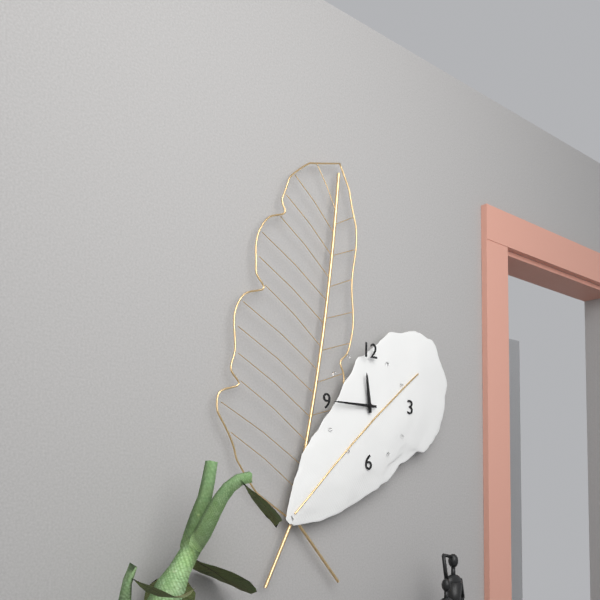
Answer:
**11:45**
